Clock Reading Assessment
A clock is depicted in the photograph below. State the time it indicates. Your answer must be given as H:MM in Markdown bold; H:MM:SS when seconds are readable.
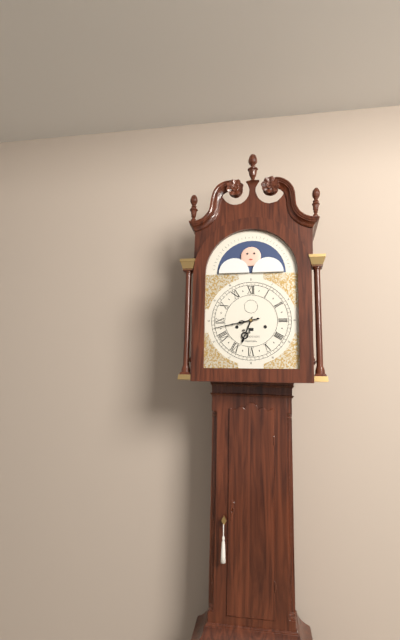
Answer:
**6:43**
